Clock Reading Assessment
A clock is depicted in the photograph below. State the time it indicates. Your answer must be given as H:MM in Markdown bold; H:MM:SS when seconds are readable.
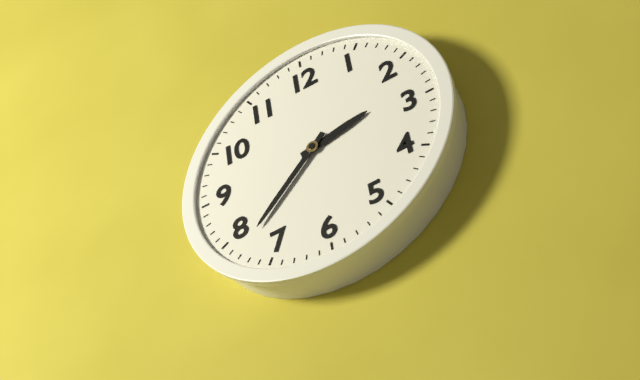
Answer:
**2:38**
